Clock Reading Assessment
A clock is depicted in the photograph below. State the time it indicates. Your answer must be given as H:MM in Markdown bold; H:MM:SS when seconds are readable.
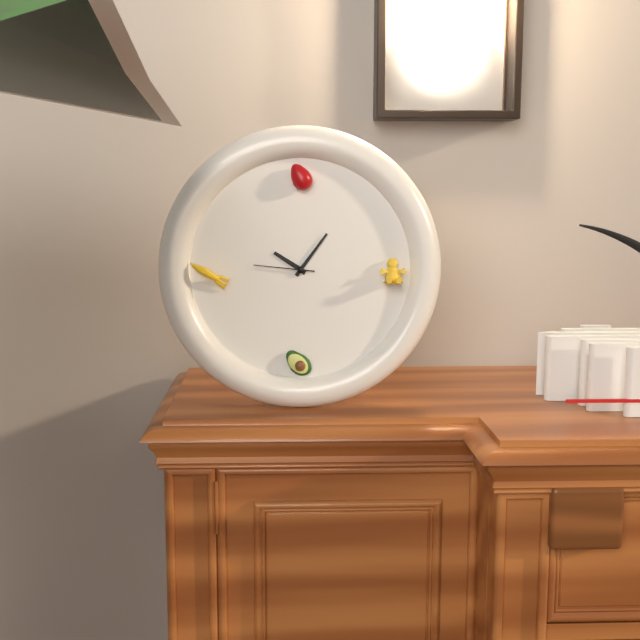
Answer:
**10:06:46**
